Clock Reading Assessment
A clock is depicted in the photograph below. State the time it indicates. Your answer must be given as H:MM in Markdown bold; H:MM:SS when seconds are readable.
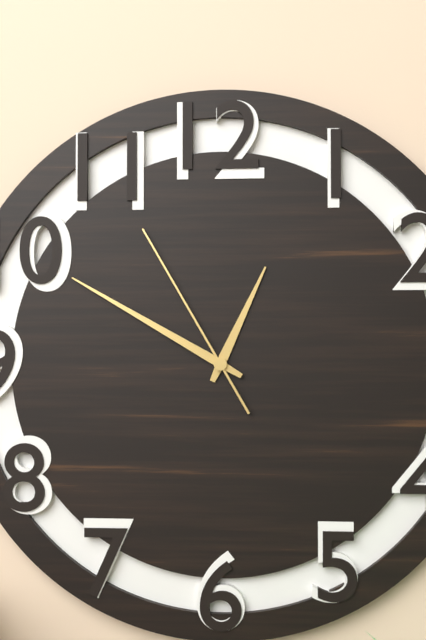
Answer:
**12:50:55**
